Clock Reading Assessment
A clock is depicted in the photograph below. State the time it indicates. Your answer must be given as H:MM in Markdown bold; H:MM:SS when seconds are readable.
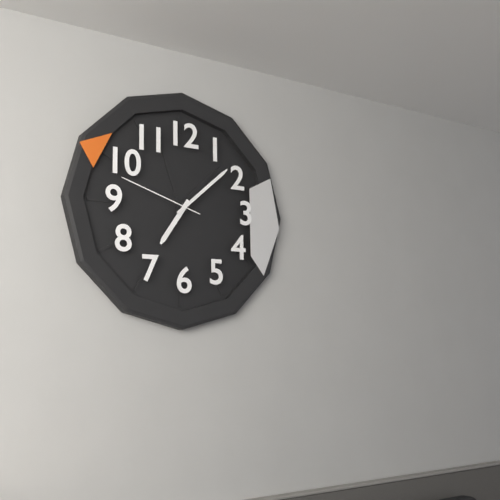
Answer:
**7:08:48**
